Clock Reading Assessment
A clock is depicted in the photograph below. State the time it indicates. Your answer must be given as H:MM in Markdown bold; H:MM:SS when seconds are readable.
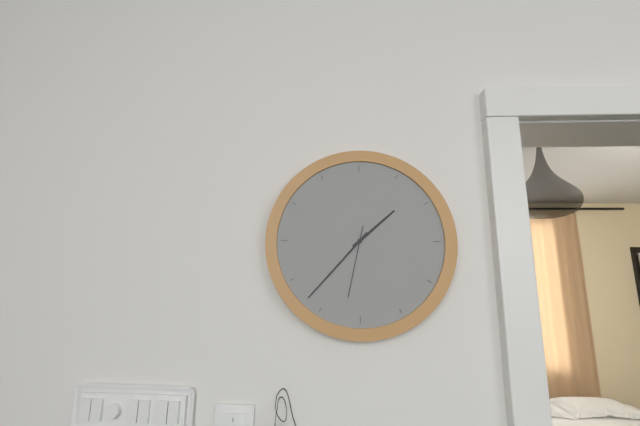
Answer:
**1:37:32**
